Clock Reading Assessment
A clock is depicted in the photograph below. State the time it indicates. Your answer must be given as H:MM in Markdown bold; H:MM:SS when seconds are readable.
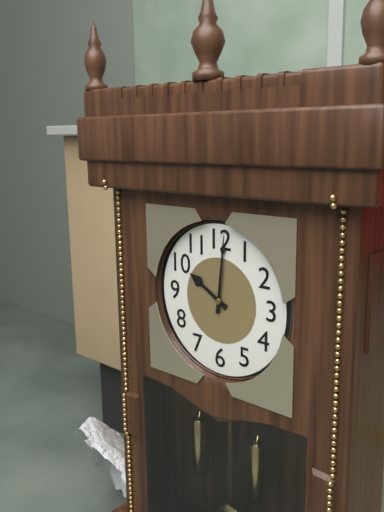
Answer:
**10:01**
